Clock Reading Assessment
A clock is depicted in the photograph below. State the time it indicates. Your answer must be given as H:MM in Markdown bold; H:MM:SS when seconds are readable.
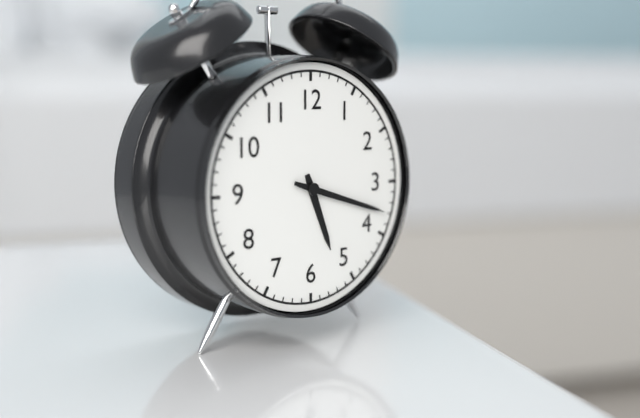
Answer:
**5:18**
